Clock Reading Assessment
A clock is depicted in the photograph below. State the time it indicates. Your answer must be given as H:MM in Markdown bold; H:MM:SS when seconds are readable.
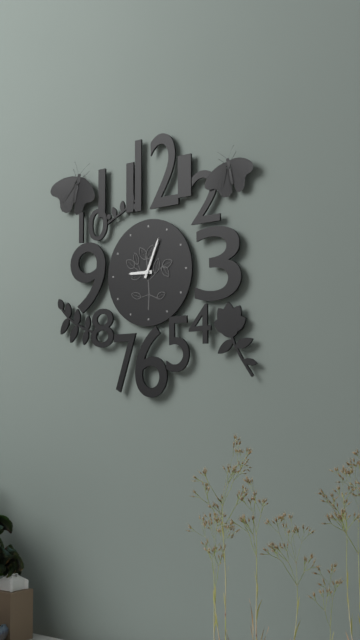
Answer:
**9:04**
